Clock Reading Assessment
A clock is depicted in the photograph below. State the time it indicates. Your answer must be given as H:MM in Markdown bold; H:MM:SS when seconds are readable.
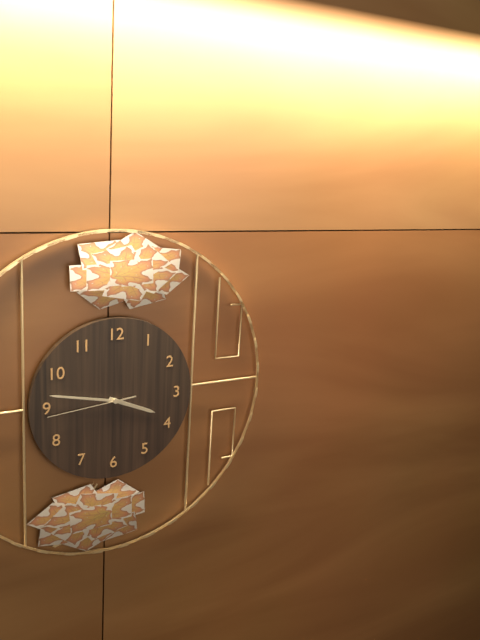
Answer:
**3:47:44**
